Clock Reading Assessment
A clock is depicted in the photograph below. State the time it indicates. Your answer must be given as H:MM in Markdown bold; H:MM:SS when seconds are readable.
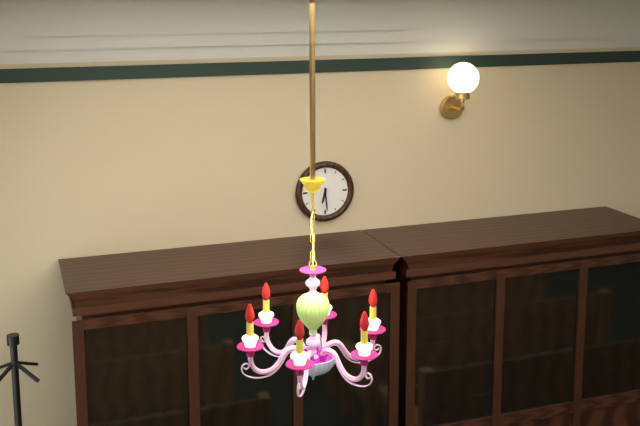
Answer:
**6:29**
